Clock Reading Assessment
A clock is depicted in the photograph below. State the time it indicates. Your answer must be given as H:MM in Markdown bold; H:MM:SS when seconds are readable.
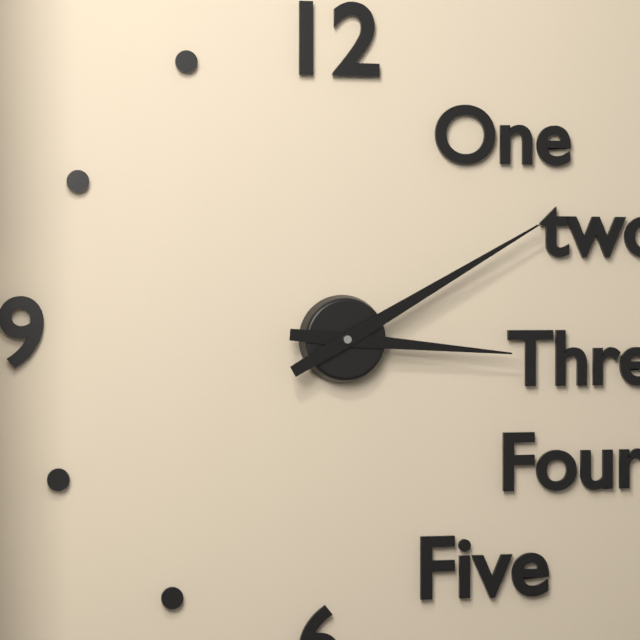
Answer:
**3:10**
